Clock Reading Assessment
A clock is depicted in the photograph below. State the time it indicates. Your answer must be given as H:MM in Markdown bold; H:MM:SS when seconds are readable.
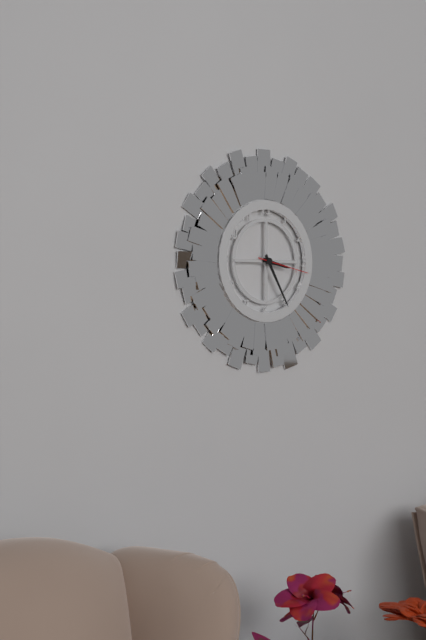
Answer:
**3:25:17**
